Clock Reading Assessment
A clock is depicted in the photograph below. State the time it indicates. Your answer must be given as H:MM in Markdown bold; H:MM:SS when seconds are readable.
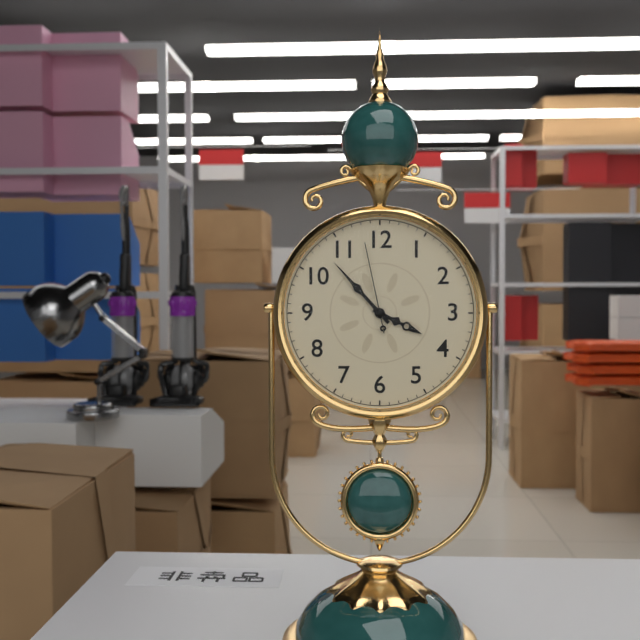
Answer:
**3:53:58**
